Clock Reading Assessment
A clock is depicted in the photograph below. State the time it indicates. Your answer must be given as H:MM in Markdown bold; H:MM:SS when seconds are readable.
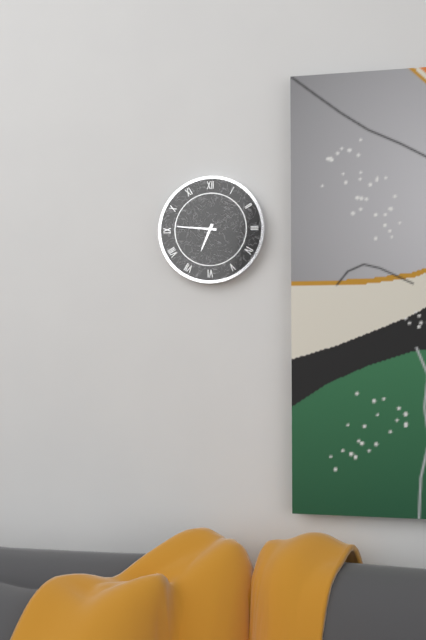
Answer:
**6:46**
